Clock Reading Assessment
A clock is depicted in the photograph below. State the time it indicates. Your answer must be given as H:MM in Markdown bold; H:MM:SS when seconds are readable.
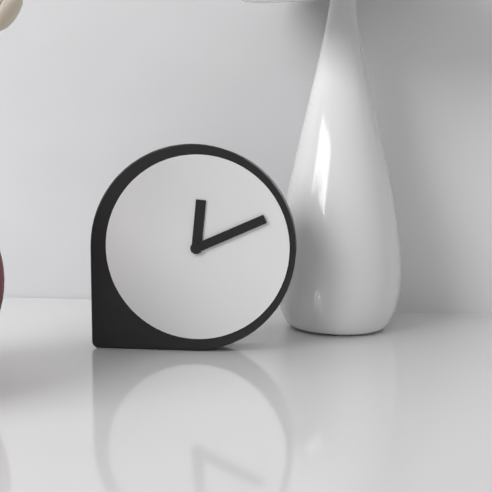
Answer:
**12:11**
